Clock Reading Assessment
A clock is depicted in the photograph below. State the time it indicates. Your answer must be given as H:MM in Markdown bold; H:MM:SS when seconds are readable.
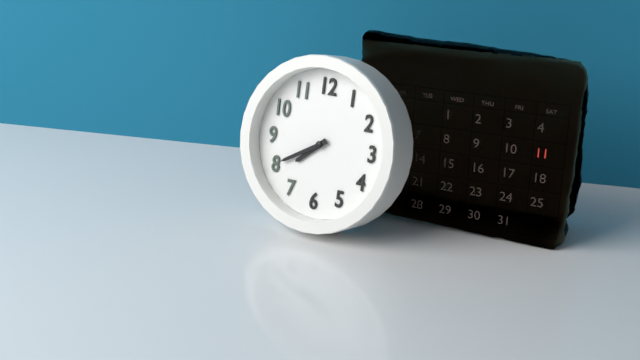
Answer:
**7:40**
